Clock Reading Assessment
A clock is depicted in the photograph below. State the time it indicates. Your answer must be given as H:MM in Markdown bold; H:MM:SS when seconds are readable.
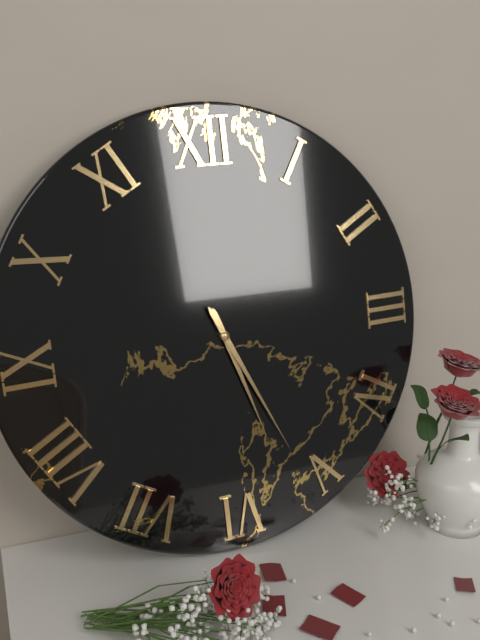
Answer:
**5:26**
